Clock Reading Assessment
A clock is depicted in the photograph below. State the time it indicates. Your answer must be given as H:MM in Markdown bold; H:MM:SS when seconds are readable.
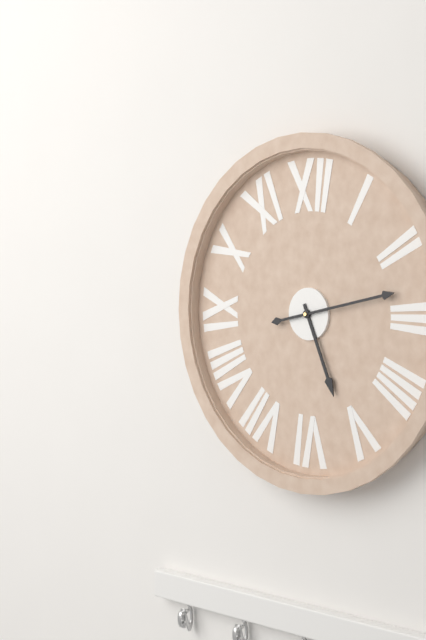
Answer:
**5:13**
